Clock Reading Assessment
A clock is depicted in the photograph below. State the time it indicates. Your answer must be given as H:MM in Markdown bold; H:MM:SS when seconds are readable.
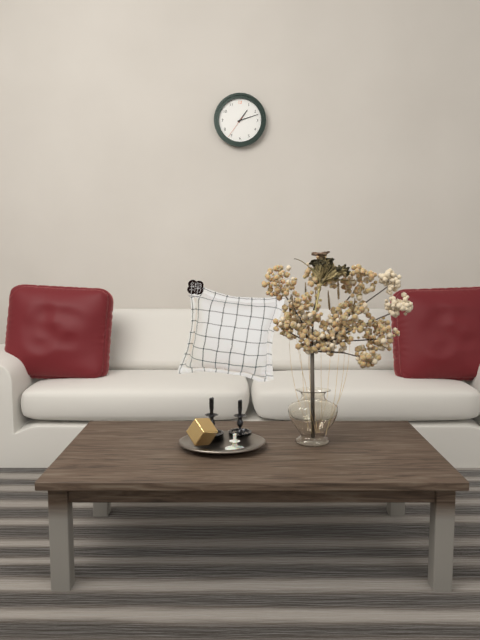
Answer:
**1:12**
